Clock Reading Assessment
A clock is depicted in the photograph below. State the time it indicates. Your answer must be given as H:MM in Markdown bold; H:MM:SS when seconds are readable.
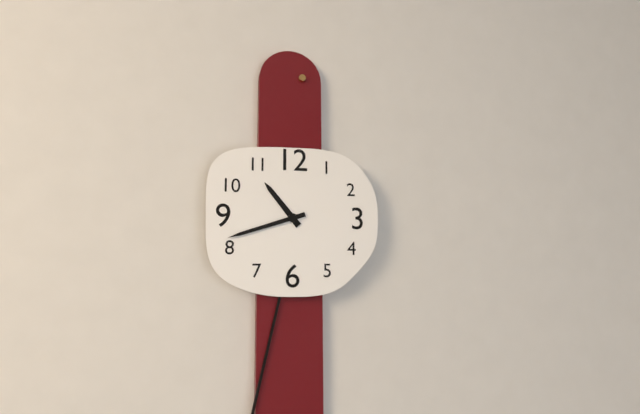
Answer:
**10:42**
